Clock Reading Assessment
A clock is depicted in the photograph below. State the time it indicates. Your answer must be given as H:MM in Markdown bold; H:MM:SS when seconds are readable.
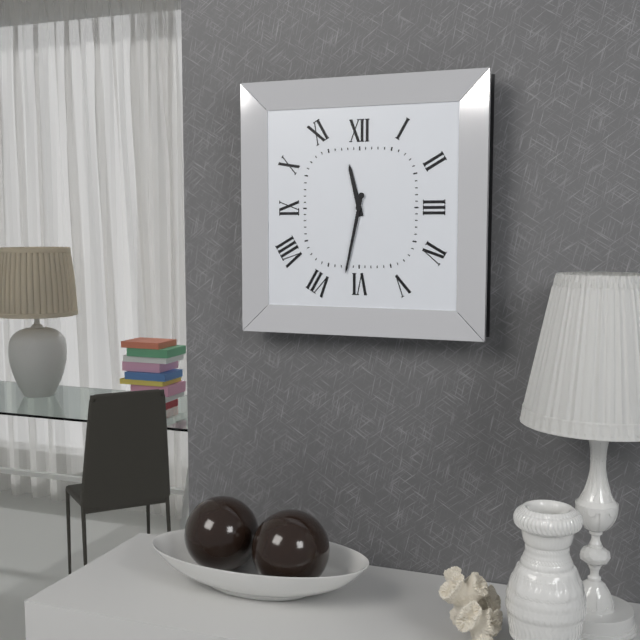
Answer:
**11:32**
